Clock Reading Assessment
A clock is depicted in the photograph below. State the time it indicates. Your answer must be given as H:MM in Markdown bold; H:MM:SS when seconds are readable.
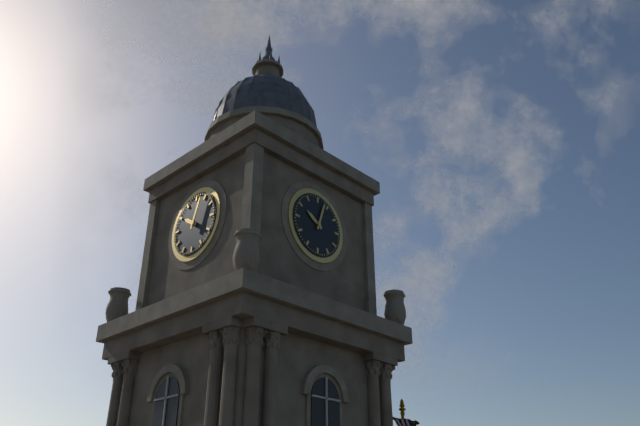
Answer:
**10:03**
